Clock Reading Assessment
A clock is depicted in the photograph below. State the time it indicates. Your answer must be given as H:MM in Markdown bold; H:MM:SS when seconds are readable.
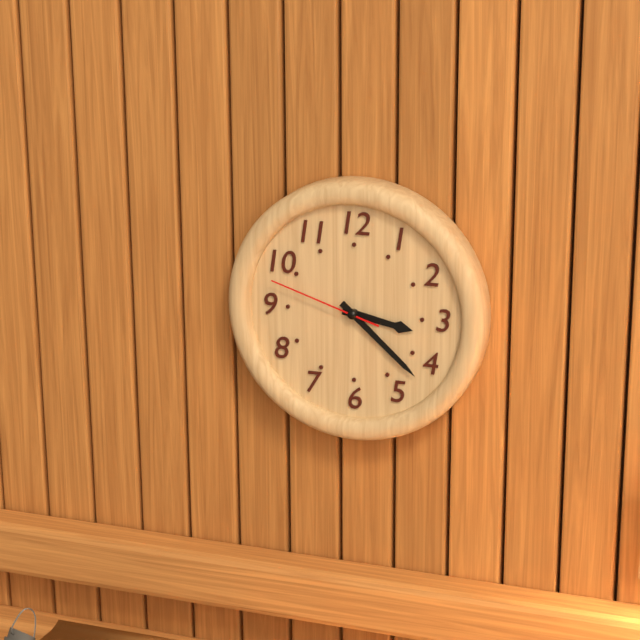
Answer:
**3:22:48**
